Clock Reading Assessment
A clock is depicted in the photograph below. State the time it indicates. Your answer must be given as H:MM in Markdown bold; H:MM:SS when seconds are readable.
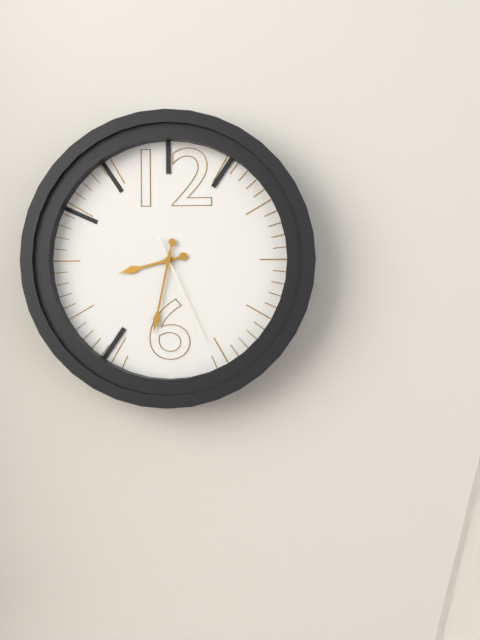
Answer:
**8:32:26**
